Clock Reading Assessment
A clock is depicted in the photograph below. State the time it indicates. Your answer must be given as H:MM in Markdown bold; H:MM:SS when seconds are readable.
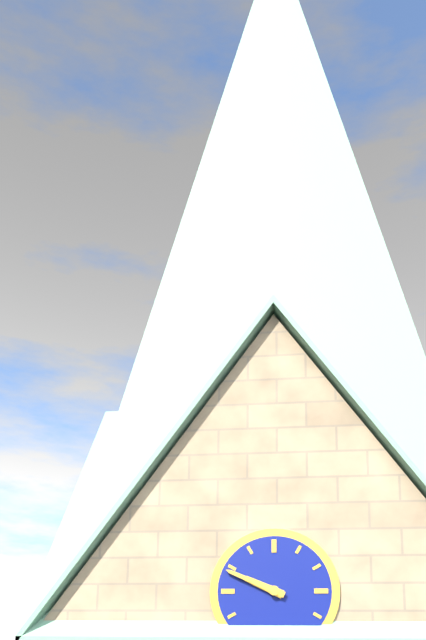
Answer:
**9:49**
